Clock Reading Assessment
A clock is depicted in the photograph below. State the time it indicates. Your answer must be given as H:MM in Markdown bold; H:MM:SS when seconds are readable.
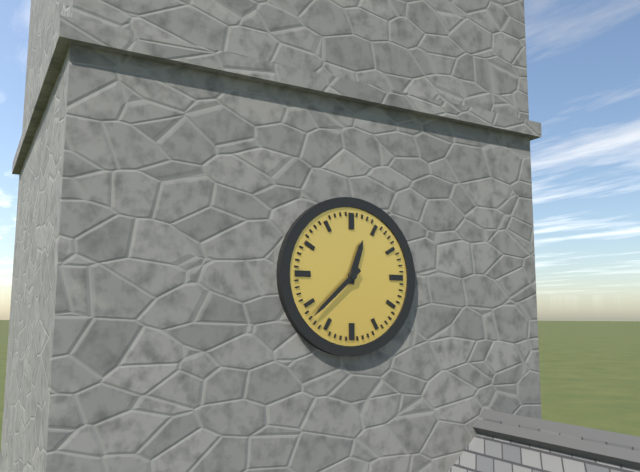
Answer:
**12:38**
